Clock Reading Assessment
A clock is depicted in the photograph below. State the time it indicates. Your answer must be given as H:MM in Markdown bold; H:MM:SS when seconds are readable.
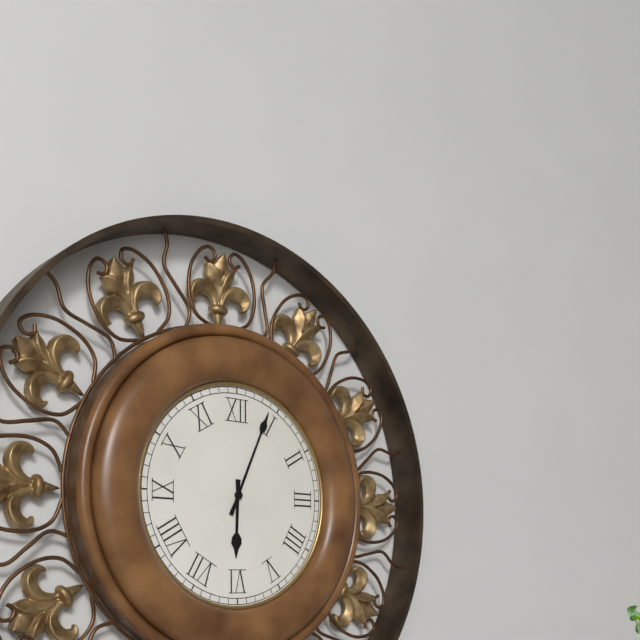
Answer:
**6:04**
